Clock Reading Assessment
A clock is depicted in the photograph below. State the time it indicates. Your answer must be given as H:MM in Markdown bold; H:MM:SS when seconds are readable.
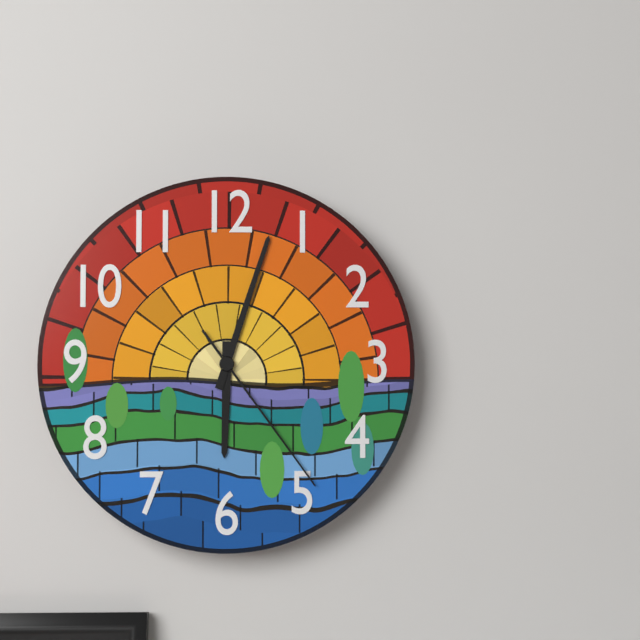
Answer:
**6:03:24**
